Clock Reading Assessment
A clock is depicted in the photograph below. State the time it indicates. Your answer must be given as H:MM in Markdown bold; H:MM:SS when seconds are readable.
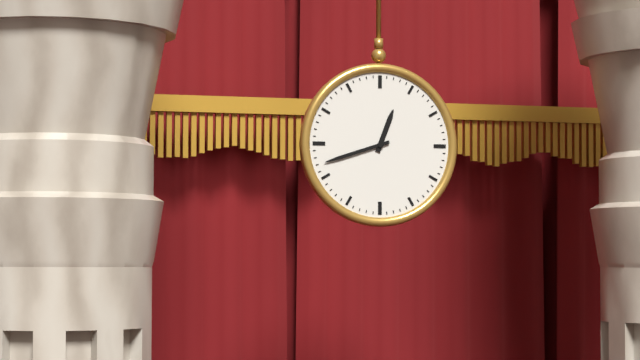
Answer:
**12:42**
